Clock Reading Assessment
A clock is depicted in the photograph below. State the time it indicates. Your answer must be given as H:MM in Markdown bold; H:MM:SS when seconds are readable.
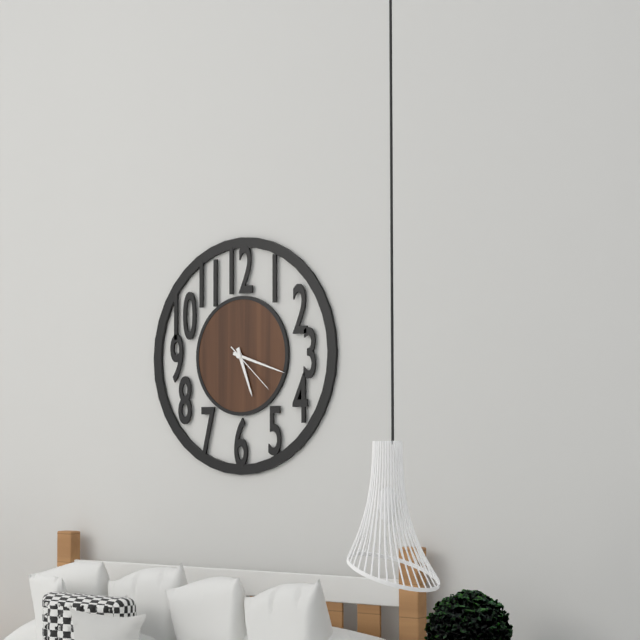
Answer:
**5:18:22**
